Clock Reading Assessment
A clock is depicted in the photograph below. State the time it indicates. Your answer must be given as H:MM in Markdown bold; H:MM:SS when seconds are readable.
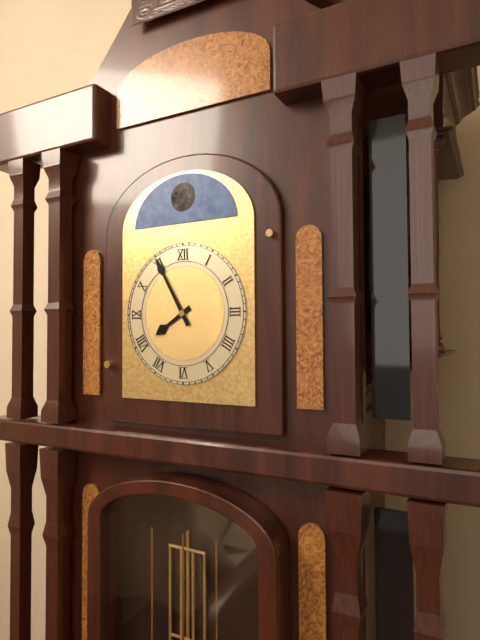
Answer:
**7:55**
